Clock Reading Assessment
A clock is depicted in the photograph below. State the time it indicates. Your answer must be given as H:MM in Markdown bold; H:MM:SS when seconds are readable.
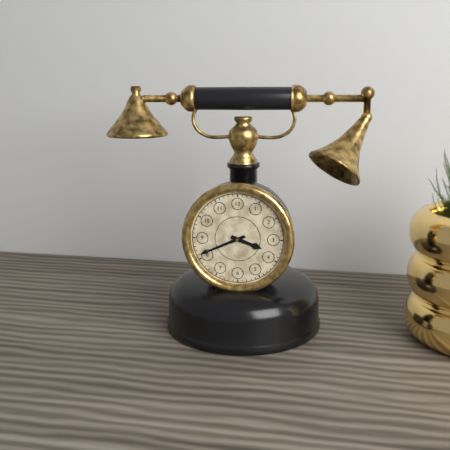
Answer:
**3:41**
